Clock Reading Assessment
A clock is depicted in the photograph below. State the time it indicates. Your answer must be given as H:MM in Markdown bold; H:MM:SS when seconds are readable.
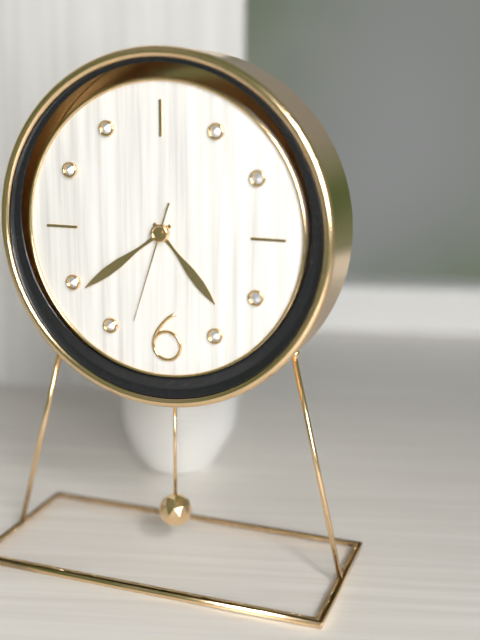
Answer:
**4:39:33**
